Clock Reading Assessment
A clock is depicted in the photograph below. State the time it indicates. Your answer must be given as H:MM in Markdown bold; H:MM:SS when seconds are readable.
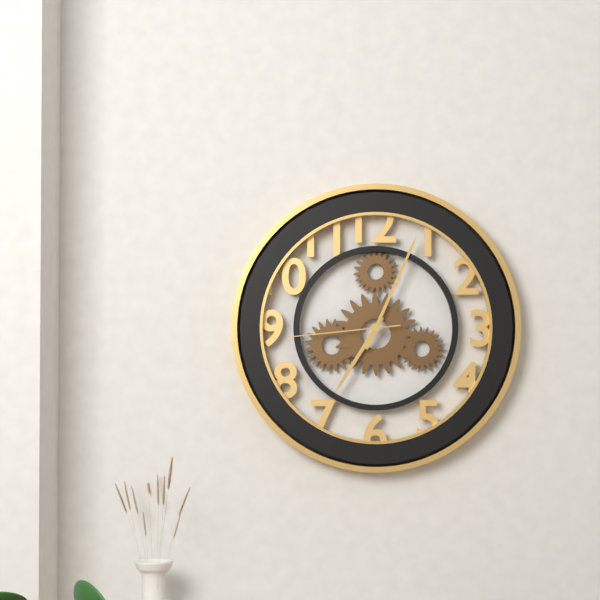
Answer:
**7:04:44**
